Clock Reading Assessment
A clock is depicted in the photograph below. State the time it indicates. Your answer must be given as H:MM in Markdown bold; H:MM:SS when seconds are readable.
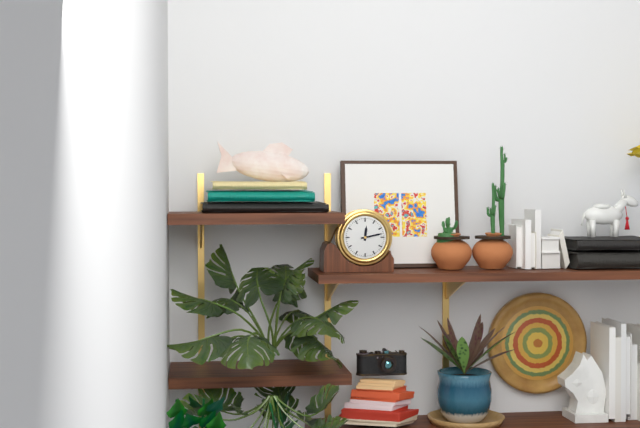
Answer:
**12:13**
